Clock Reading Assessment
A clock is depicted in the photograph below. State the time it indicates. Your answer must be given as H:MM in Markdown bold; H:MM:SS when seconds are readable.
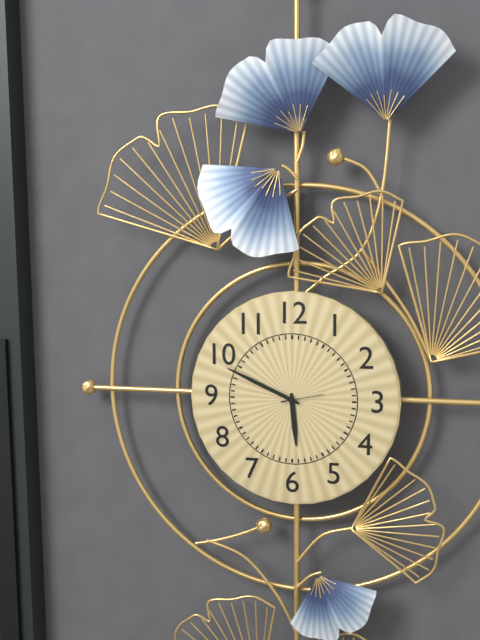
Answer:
**5:49**
